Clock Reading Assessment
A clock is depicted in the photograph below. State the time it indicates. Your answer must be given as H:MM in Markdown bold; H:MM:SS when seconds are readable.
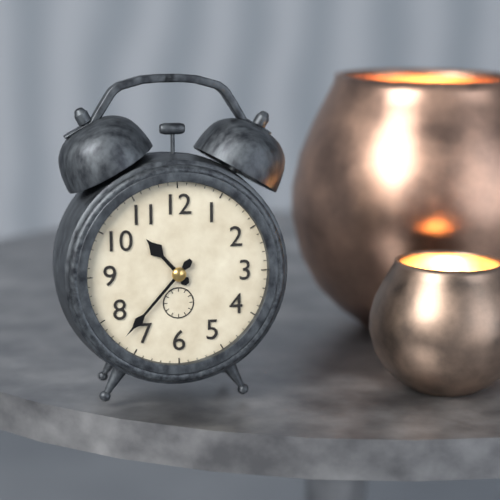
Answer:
**10:37**
